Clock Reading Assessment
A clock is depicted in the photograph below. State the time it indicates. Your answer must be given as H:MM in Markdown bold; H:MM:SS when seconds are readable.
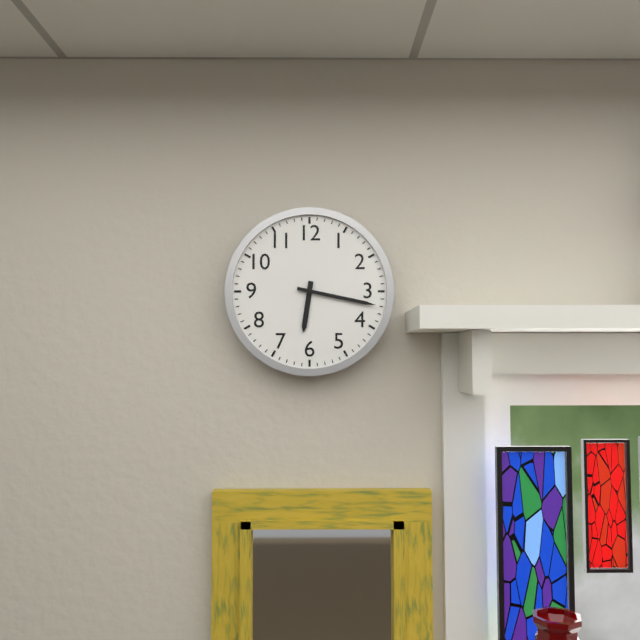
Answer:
**6:17**
